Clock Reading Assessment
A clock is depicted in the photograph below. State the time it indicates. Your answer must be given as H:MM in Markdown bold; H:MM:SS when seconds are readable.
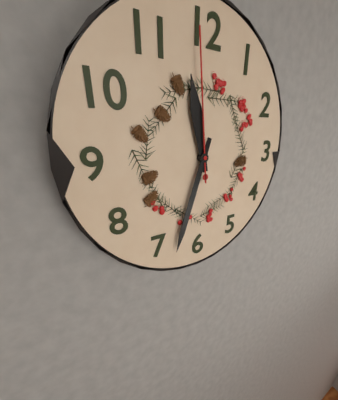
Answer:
**11:33:59**
